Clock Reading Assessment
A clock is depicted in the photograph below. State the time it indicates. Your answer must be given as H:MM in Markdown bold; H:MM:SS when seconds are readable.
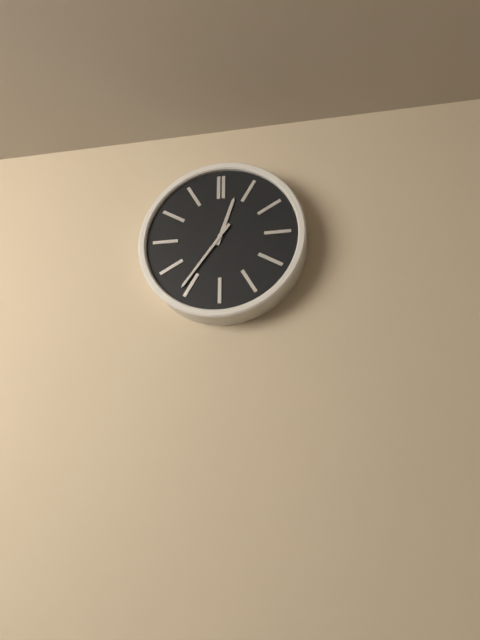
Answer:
**12:36**
